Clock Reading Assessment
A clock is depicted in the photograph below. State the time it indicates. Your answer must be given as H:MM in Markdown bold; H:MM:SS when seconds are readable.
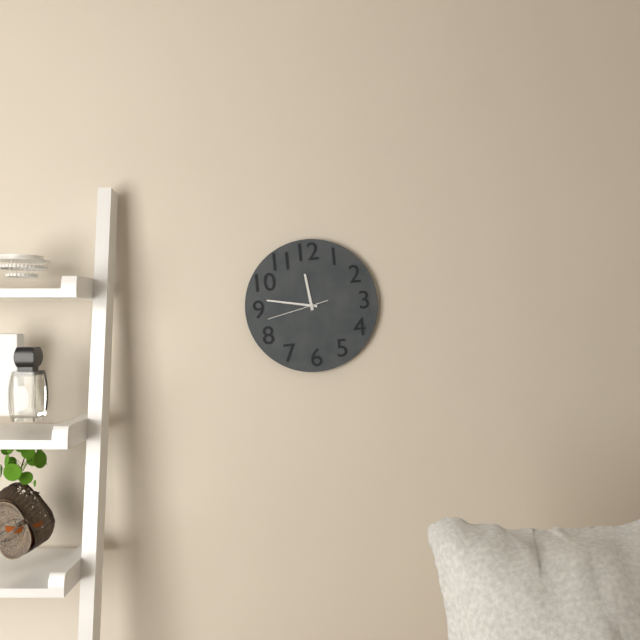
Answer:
**11:47:43**
